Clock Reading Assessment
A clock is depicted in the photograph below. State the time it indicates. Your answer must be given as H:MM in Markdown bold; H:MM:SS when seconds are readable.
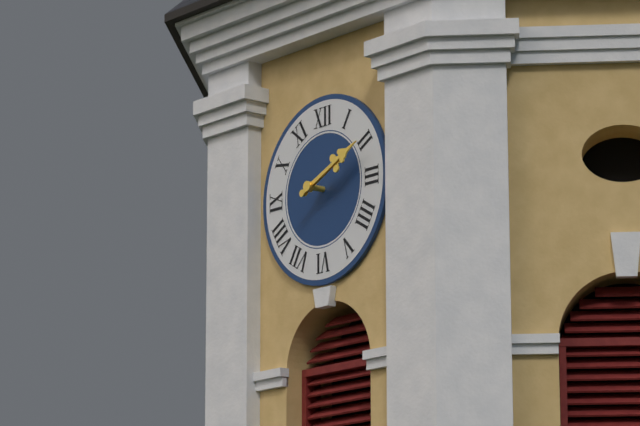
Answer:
**2:11**
